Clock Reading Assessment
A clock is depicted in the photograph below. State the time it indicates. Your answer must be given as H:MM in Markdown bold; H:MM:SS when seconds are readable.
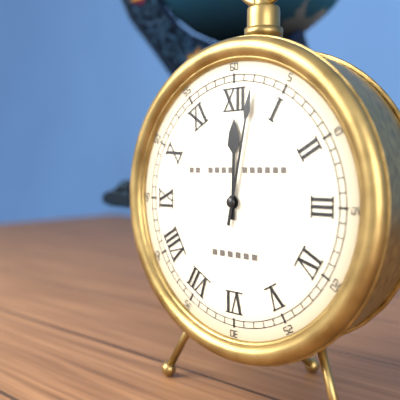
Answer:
**12:02**
